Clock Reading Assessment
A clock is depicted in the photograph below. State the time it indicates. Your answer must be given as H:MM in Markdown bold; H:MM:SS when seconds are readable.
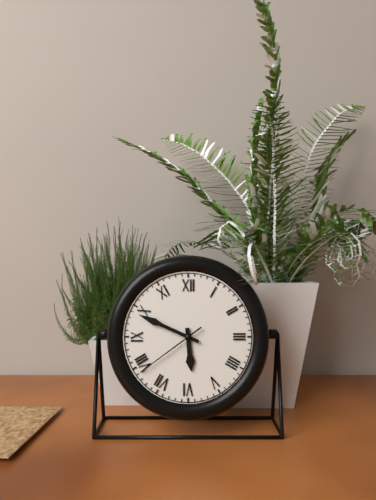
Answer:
**5:49:39**
